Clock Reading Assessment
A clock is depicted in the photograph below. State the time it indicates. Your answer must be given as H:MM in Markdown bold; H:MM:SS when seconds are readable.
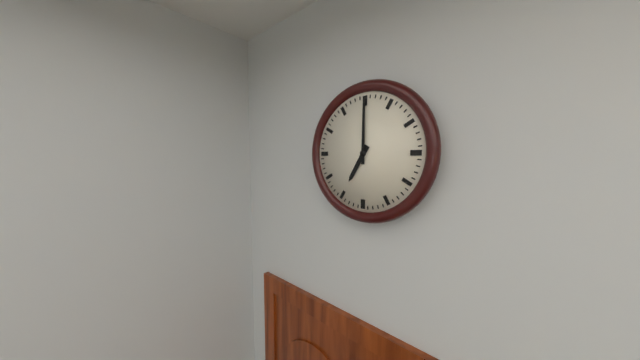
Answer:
**7:00**
